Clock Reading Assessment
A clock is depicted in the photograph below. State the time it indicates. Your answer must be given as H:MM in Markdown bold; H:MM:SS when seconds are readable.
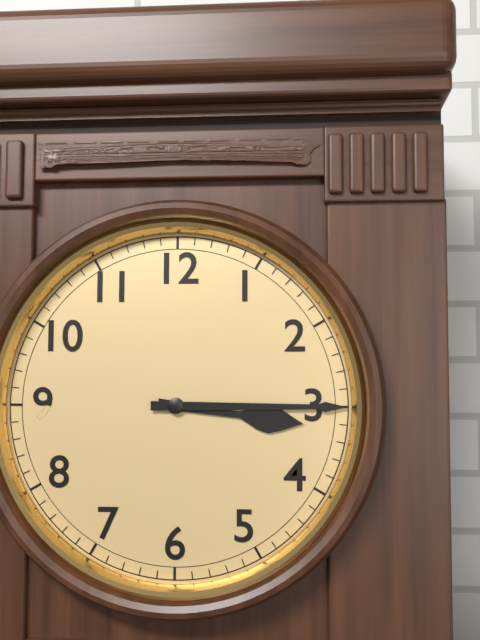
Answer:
**3:15**
